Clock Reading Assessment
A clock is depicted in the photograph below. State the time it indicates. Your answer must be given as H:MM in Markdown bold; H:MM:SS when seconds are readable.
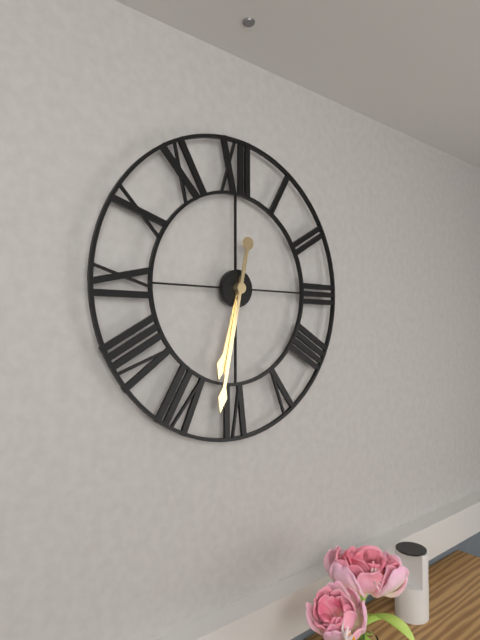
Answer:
**6:32**
